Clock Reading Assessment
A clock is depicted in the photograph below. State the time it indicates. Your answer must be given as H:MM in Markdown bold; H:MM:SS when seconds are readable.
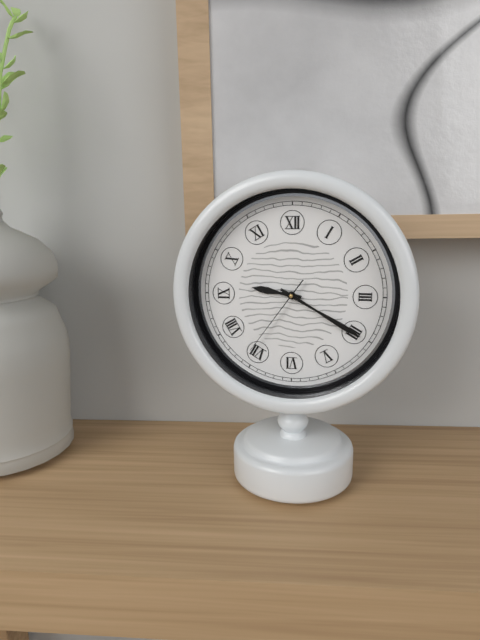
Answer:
**9:20:36**
